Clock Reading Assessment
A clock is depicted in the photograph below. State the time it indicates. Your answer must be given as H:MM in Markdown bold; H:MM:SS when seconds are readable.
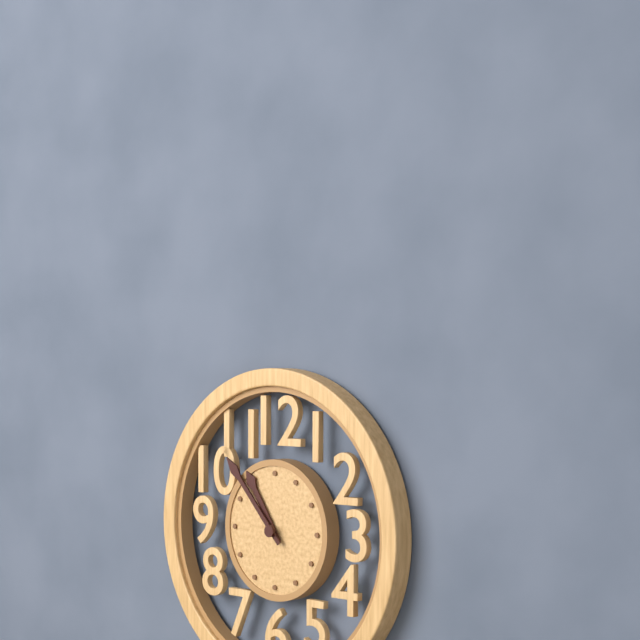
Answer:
**10:53**
